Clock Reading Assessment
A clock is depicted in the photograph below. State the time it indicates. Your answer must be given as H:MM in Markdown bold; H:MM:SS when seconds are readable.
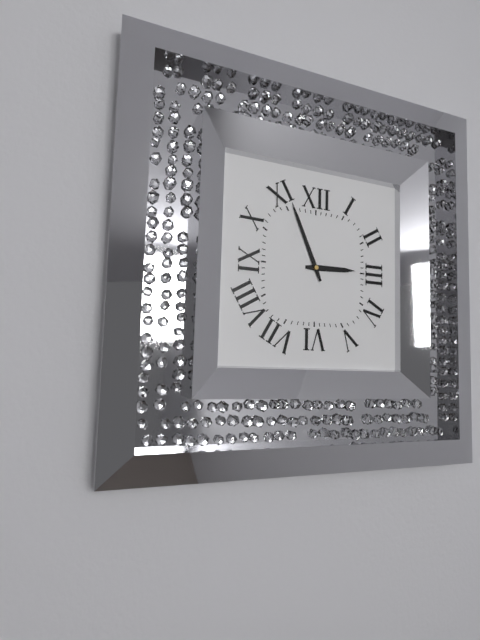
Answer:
**2:56**
